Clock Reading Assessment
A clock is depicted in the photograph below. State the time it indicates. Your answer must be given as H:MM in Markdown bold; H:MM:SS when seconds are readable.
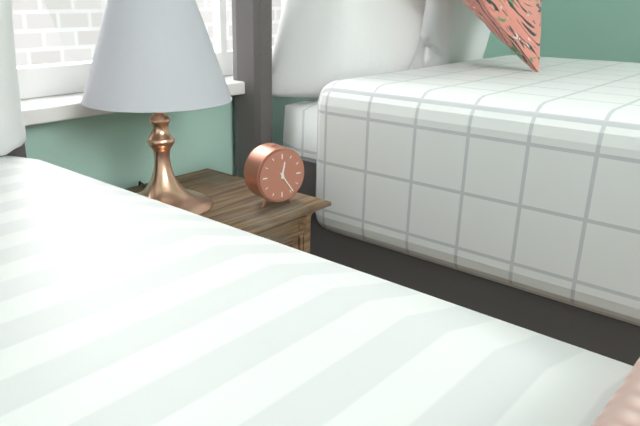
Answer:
**12:24**
